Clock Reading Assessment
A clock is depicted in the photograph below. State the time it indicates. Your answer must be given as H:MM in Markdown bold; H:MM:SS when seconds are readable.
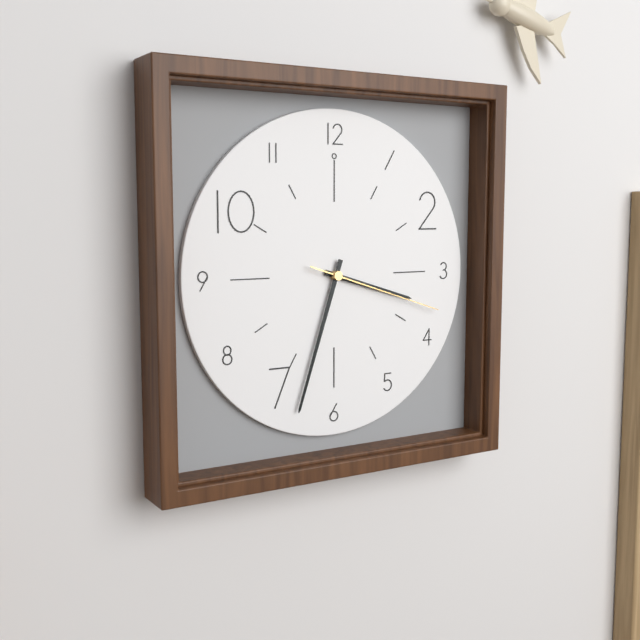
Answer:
**3:33:18**
